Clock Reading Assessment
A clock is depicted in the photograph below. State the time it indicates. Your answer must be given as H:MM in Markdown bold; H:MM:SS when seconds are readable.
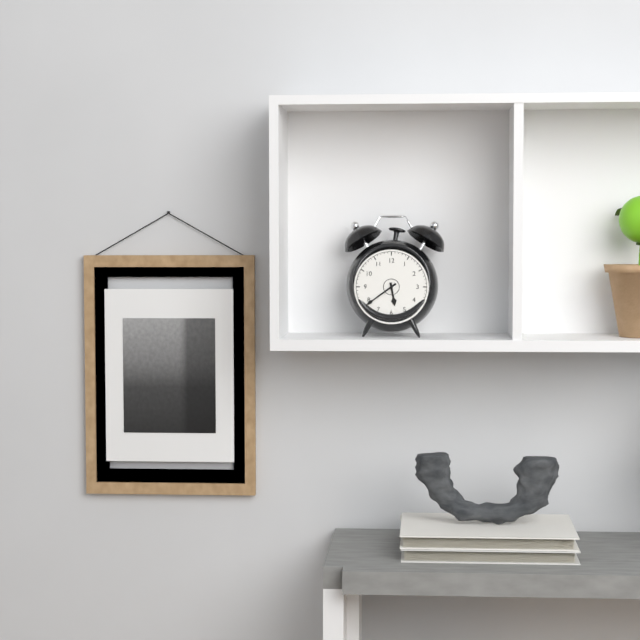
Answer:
**5:39**
